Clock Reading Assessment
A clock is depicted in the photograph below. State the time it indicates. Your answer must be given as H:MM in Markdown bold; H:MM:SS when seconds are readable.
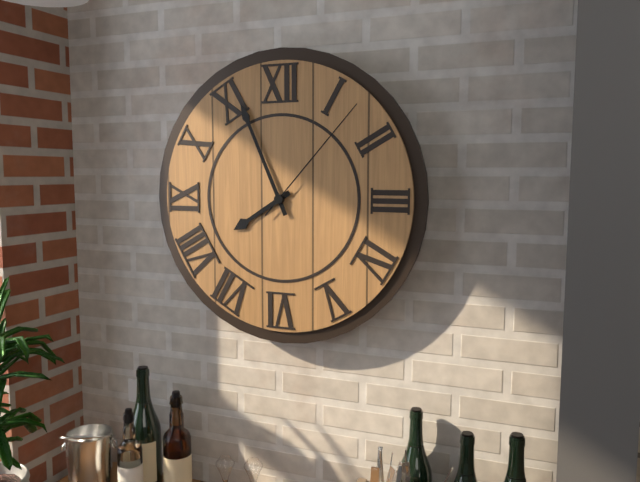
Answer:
**7:56:07**
